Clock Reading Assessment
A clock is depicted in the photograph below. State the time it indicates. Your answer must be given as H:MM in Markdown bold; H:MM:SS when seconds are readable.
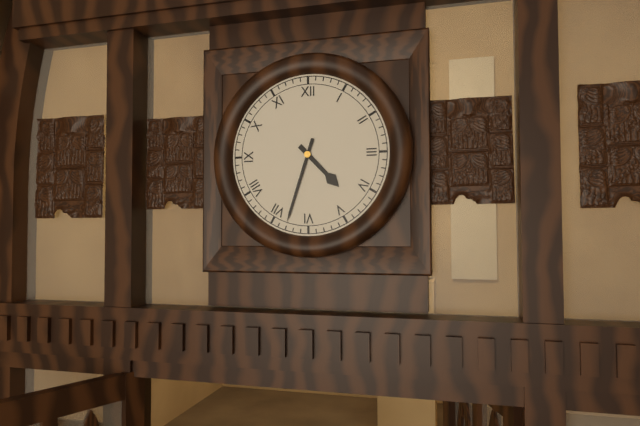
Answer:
**4:33**
